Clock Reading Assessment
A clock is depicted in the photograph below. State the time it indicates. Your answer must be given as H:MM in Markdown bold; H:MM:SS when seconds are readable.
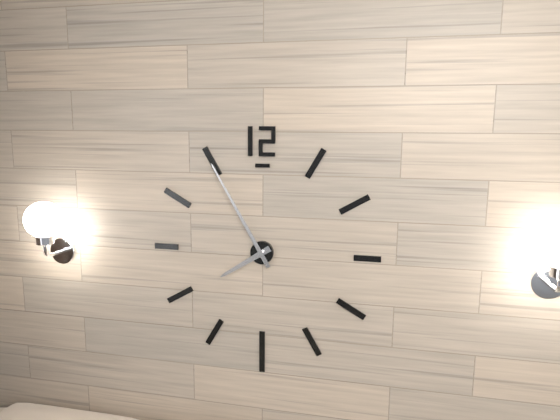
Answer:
**7:55**
